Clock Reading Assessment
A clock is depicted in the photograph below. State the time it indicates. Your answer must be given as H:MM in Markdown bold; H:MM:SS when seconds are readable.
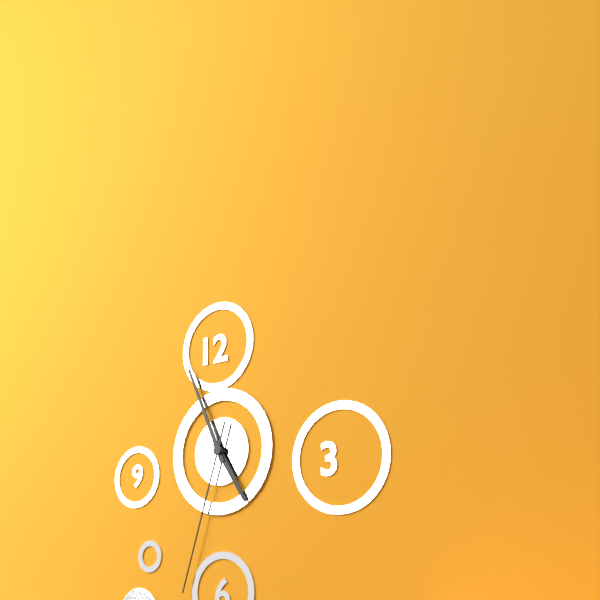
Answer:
**4:56:33**
